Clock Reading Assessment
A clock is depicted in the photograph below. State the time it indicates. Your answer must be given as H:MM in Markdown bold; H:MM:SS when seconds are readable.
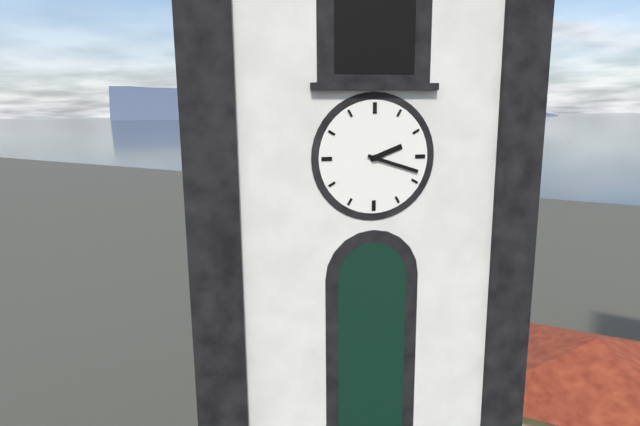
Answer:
**2:18**
